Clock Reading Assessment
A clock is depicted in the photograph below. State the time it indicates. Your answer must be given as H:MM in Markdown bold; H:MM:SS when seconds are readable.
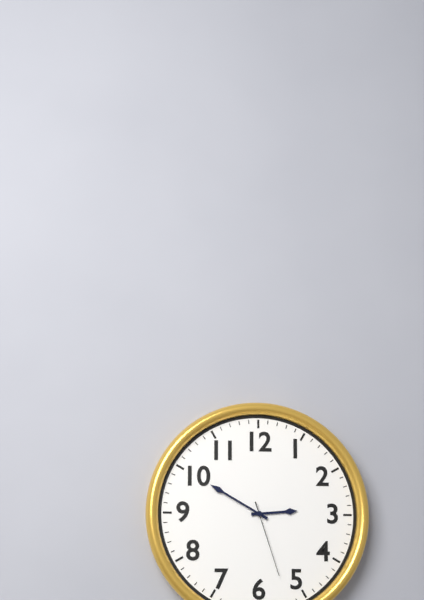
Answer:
**2:50:27**
